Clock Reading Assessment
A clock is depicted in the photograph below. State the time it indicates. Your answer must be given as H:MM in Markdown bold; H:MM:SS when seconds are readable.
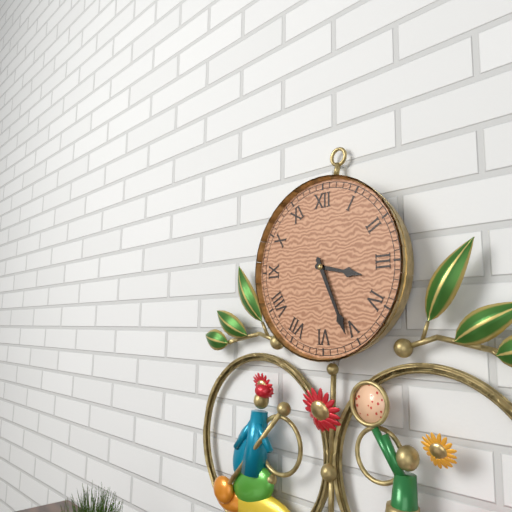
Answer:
**3:26**
